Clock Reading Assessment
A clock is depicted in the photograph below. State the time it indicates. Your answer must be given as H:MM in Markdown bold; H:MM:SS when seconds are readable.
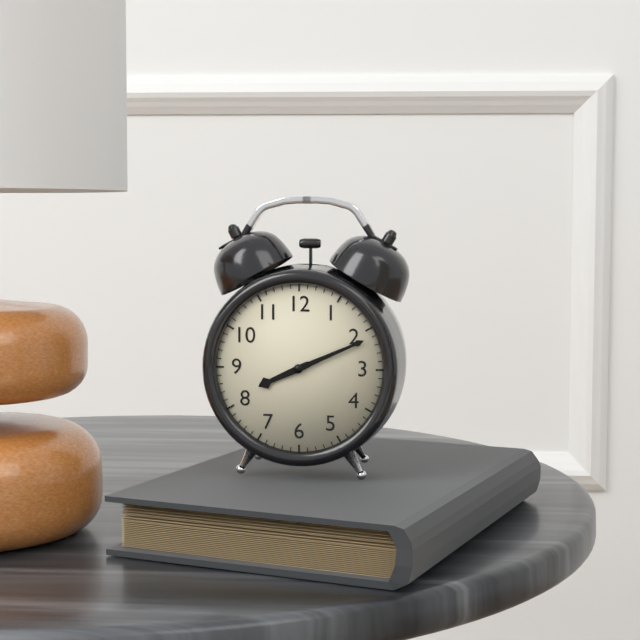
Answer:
**8:11**
